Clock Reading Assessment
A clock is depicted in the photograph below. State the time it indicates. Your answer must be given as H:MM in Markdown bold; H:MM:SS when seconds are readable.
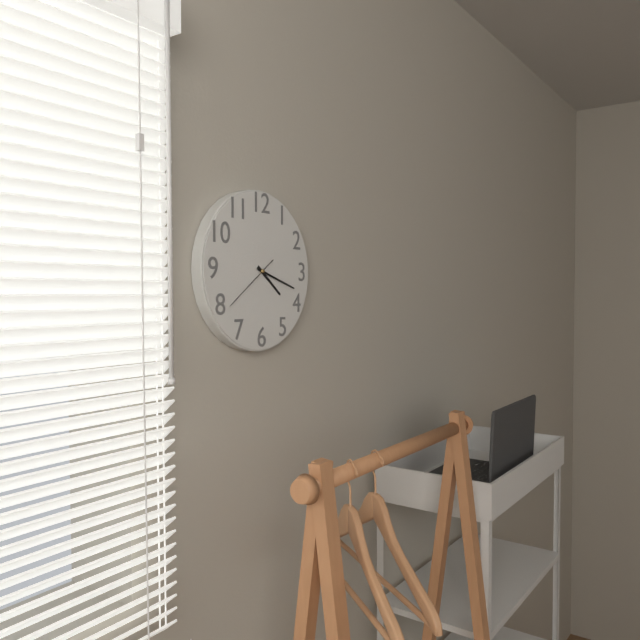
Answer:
**4:18:39**
